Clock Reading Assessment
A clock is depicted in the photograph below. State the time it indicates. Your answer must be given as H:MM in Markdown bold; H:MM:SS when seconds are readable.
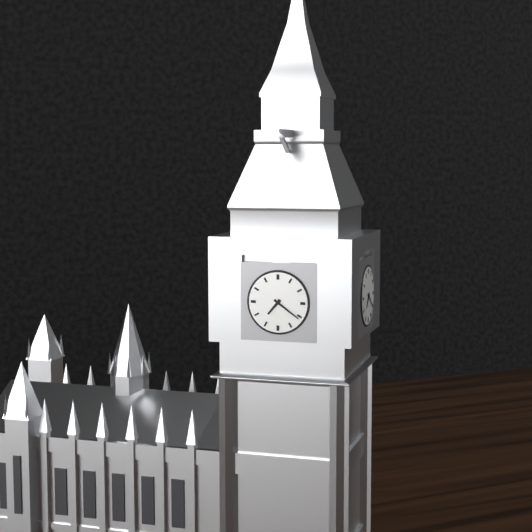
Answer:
**7:21**
